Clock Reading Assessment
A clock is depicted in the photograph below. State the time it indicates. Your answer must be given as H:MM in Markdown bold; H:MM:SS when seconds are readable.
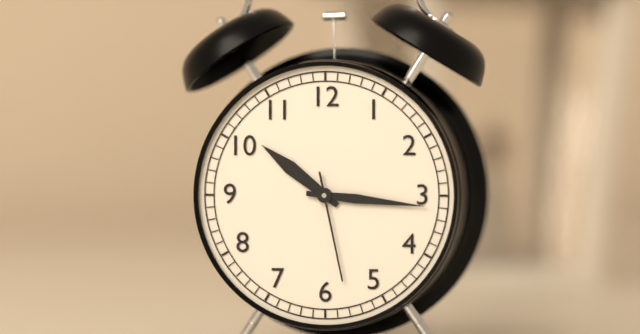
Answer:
**10:16:28**
